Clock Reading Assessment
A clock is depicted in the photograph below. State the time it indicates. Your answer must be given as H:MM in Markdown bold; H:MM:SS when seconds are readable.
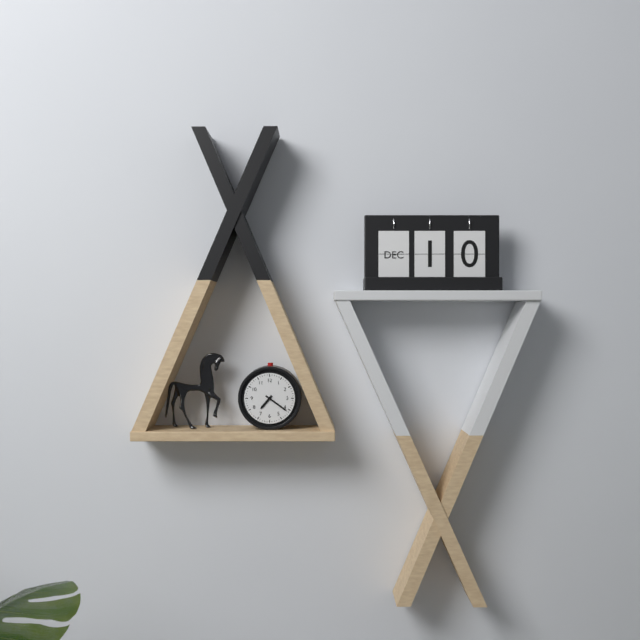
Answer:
**7:21**
